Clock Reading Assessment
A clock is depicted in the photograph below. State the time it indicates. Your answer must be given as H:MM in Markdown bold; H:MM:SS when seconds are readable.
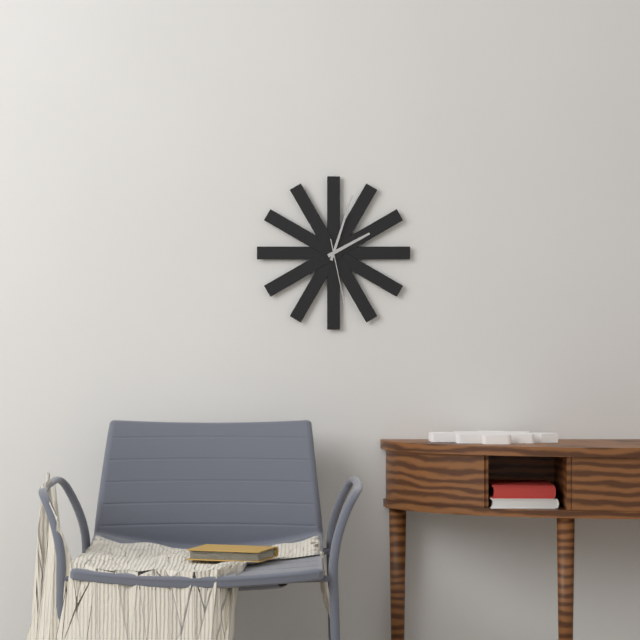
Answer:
**2:03:28**
